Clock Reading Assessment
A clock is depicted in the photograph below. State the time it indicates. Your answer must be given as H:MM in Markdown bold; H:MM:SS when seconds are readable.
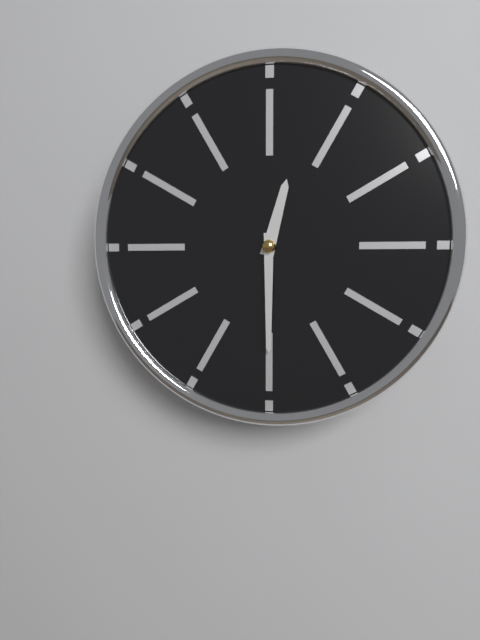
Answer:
**12:30**
